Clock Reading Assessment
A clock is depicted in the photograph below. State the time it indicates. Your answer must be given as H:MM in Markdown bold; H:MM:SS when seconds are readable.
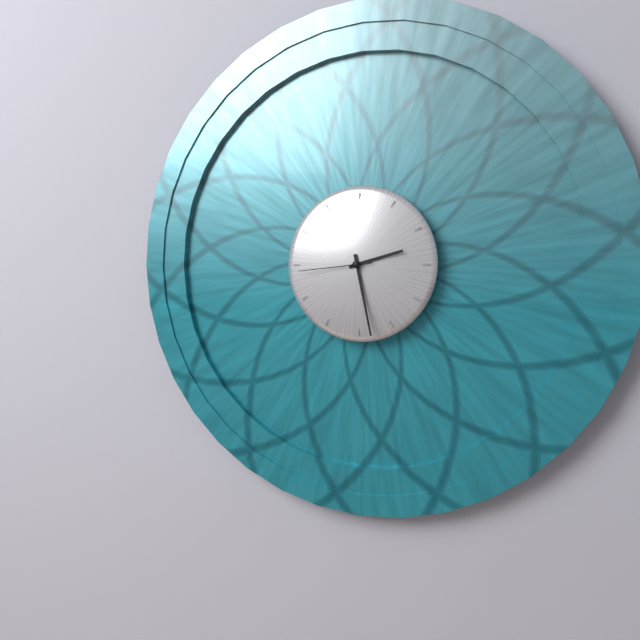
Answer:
**2:28:44**
